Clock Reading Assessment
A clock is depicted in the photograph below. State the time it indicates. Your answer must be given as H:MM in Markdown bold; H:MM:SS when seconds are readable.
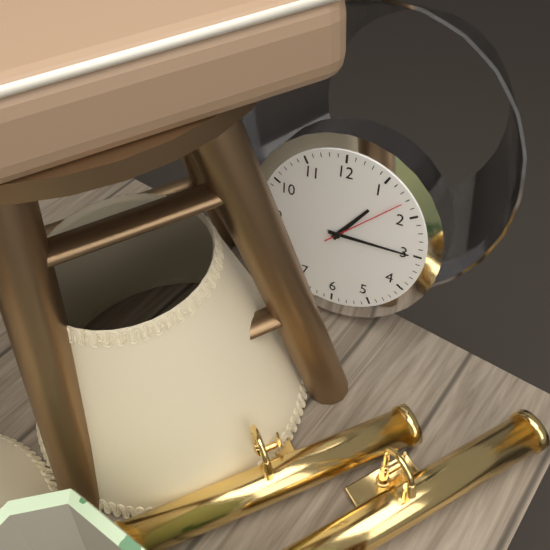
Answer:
**1:15:08**
